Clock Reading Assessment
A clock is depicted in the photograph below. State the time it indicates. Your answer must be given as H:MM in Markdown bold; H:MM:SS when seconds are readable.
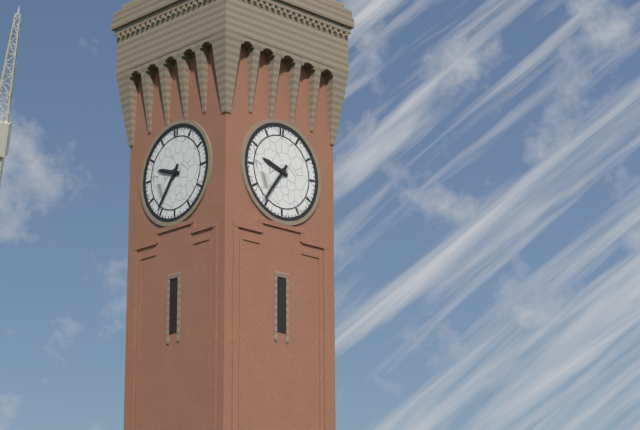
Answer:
**9:36**
